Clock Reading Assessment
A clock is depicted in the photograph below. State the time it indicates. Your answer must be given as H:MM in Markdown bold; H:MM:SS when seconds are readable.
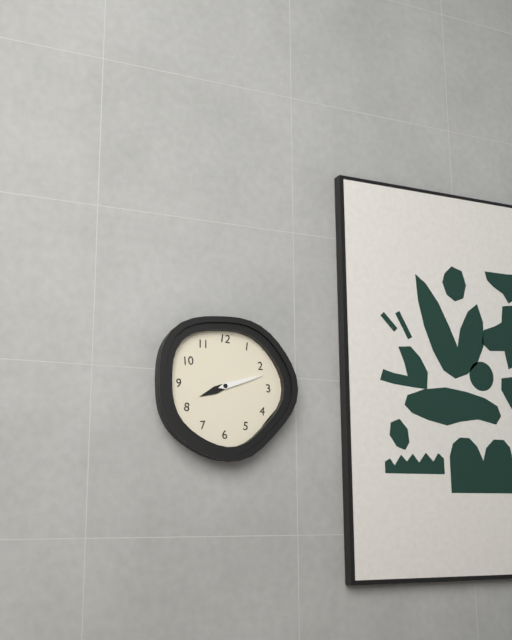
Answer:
**8:12**
